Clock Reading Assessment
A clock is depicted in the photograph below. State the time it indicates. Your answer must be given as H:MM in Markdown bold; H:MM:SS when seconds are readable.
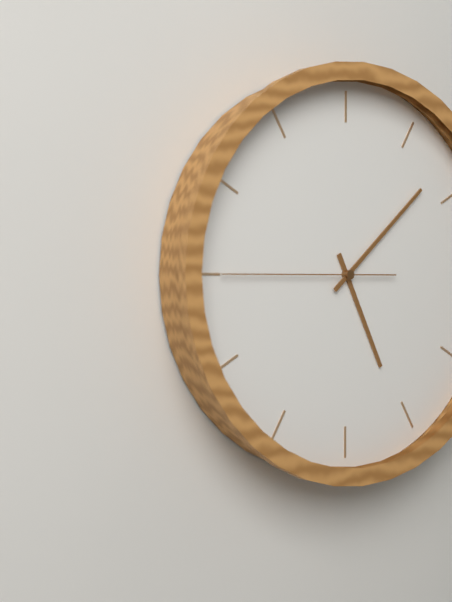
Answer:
**5:08:45**
